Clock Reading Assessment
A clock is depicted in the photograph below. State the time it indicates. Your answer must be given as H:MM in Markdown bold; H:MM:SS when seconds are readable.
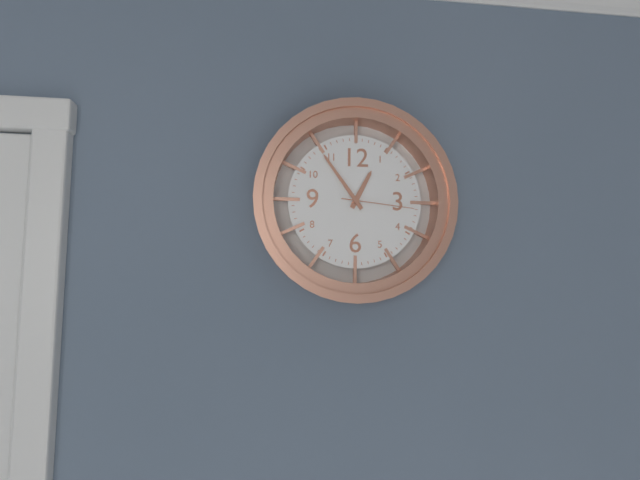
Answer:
**12:54:16**
